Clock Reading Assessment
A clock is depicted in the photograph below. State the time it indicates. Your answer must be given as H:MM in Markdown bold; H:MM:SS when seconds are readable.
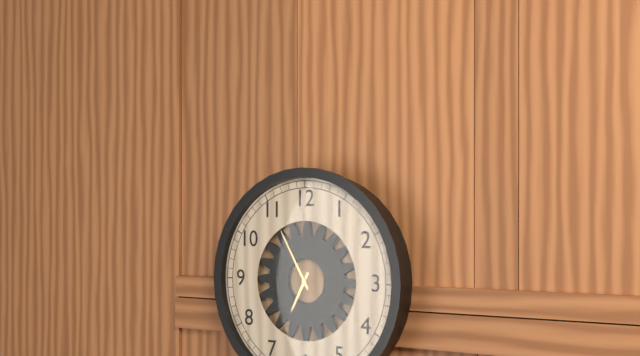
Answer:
**6:55**
